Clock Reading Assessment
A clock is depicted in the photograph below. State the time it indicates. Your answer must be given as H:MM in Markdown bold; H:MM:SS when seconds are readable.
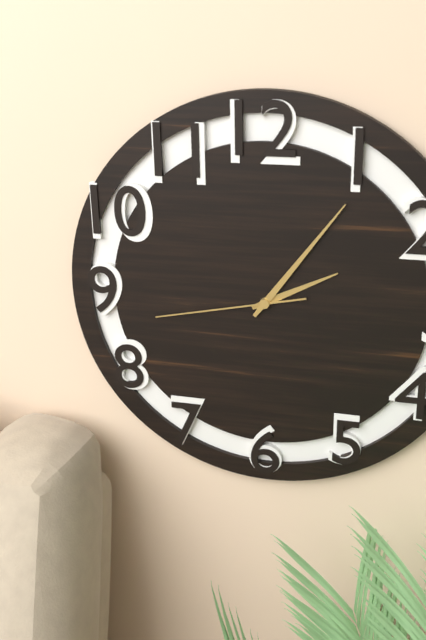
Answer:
**2:06:43**
